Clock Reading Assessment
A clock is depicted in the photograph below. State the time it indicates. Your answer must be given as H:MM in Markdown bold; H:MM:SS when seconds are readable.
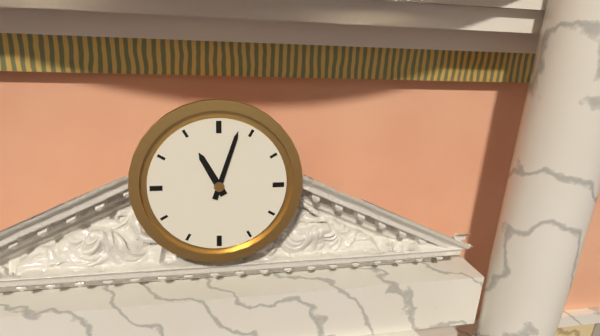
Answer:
**11:03**
